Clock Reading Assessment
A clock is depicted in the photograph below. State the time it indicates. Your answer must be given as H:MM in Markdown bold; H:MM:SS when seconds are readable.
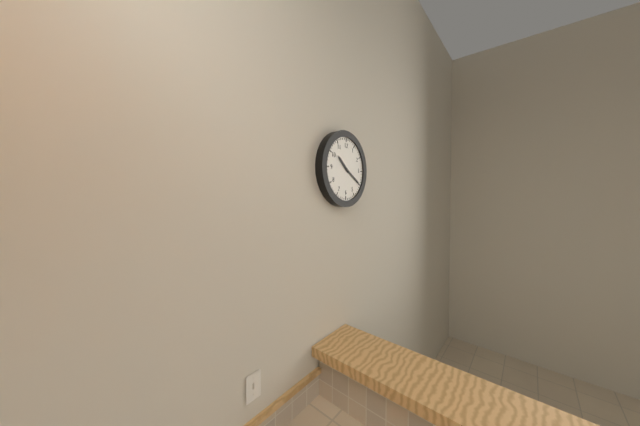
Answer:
**10:20**
